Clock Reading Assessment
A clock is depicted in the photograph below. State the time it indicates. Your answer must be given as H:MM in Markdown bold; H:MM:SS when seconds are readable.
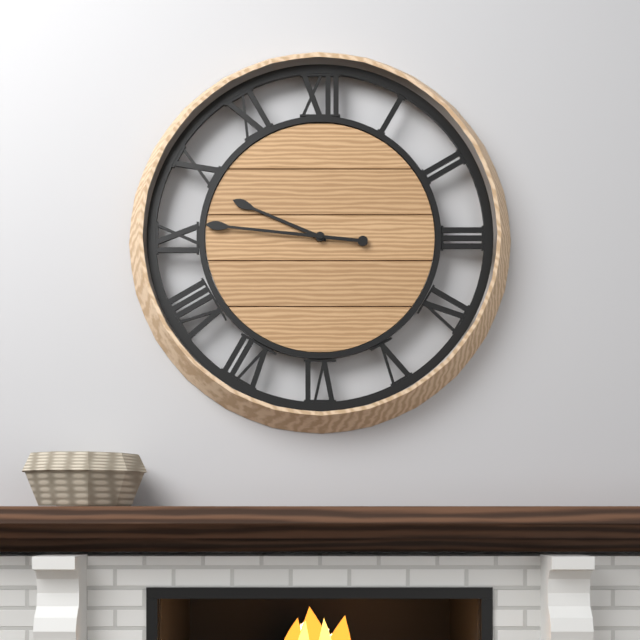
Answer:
**9:46**
